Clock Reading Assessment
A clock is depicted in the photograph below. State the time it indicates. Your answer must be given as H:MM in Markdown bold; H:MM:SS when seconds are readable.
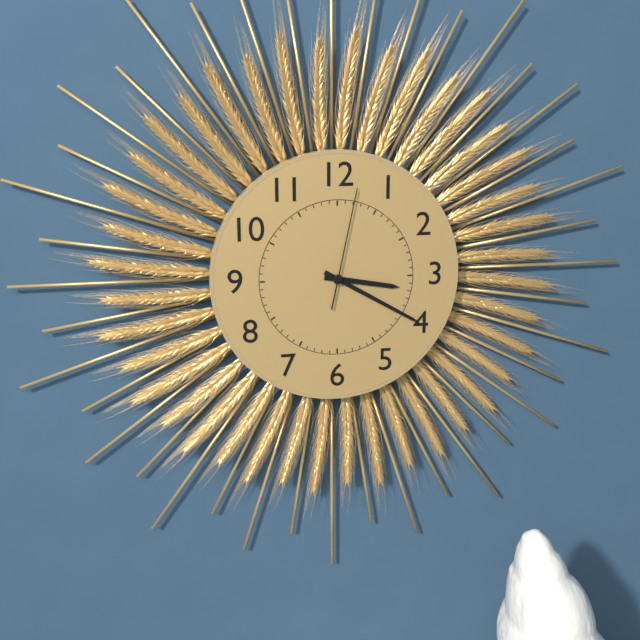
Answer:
**3:20:02**
